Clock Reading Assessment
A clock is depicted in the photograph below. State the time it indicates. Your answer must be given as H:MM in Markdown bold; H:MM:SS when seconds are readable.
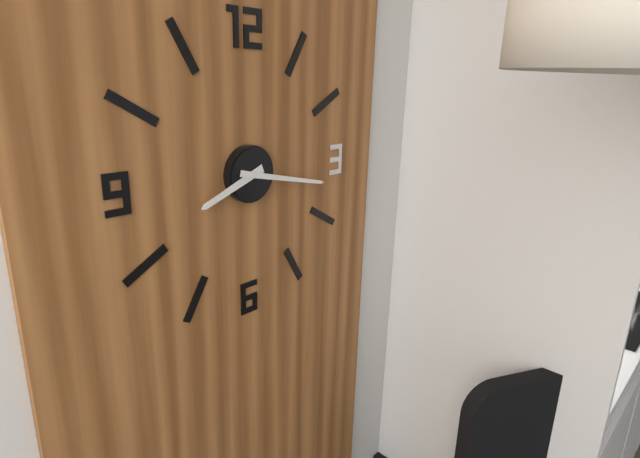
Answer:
**8:17**
